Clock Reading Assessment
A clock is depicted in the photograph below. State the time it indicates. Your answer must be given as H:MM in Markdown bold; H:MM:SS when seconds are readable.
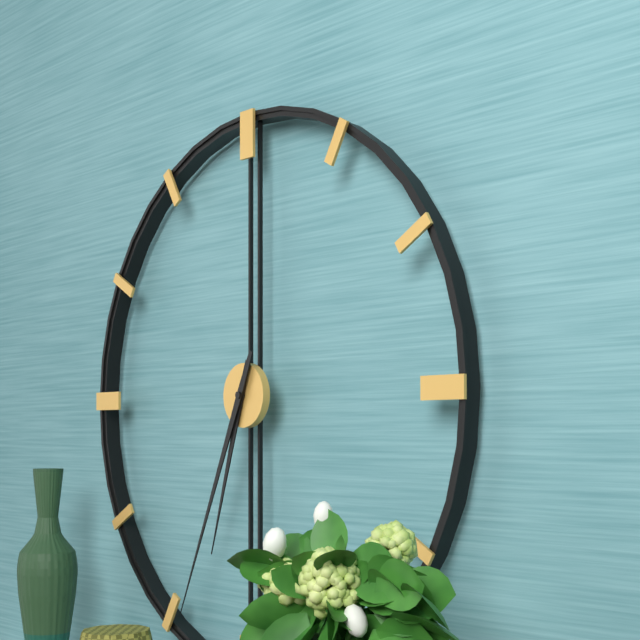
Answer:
**6:34**
